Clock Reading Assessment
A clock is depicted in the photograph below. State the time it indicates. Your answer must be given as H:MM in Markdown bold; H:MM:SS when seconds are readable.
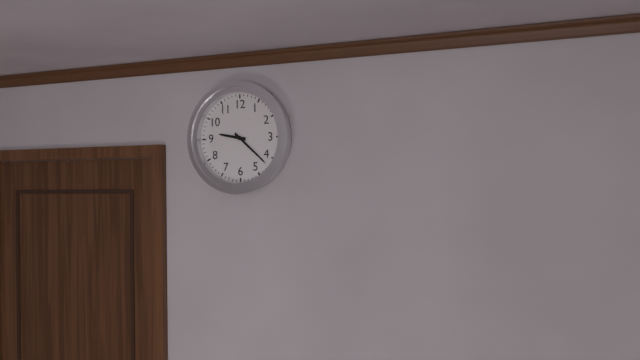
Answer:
**9:22**
